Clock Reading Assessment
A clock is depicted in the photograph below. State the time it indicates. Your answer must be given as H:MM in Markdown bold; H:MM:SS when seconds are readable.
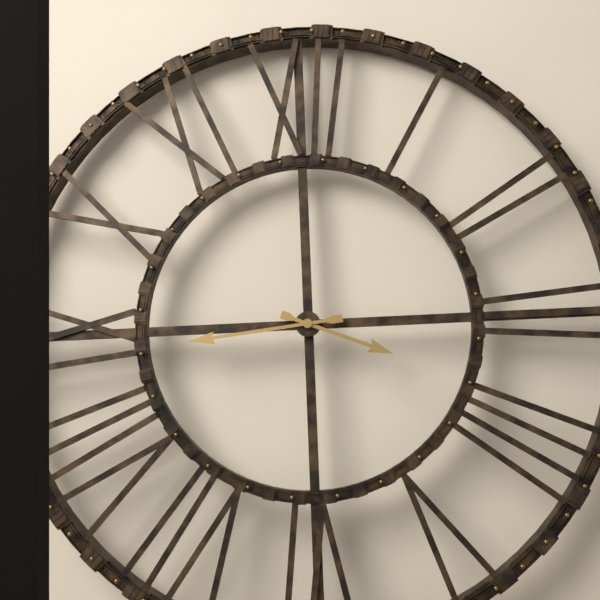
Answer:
**3:44**
